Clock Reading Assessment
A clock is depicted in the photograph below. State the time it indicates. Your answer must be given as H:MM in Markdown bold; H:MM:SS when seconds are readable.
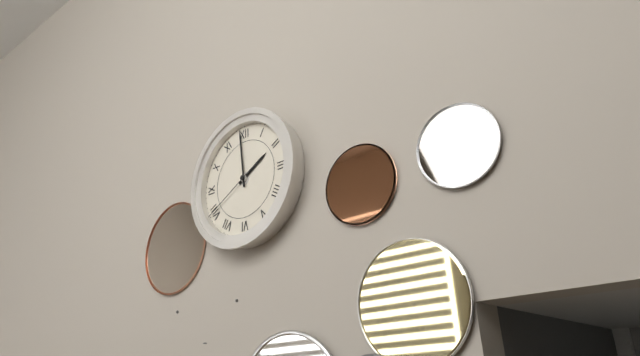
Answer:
**1:59:40**
